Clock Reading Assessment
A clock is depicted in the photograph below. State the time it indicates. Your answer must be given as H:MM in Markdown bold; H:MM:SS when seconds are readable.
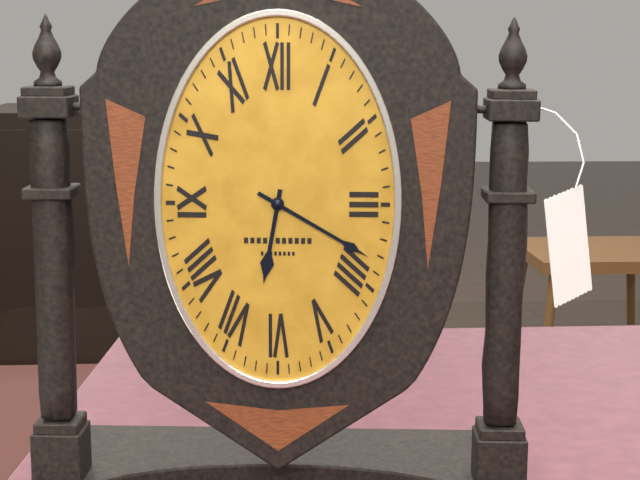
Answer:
**6:20**
